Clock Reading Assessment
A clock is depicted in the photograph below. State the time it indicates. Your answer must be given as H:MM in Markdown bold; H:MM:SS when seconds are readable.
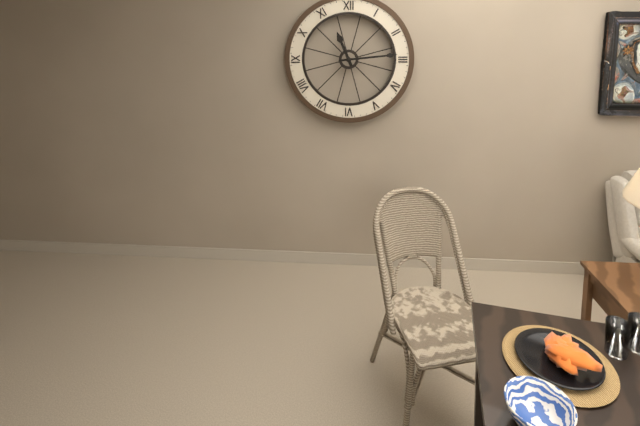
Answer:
**11:14**
